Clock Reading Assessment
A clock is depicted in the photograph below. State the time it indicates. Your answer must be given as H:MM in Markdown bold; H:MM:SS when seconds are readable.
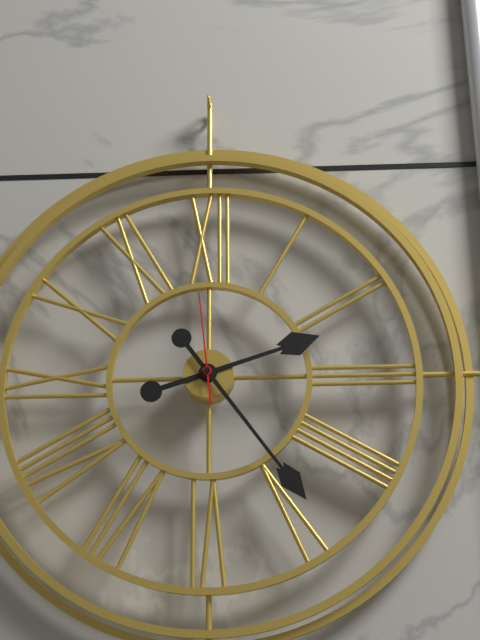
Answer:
**2:24:59**
